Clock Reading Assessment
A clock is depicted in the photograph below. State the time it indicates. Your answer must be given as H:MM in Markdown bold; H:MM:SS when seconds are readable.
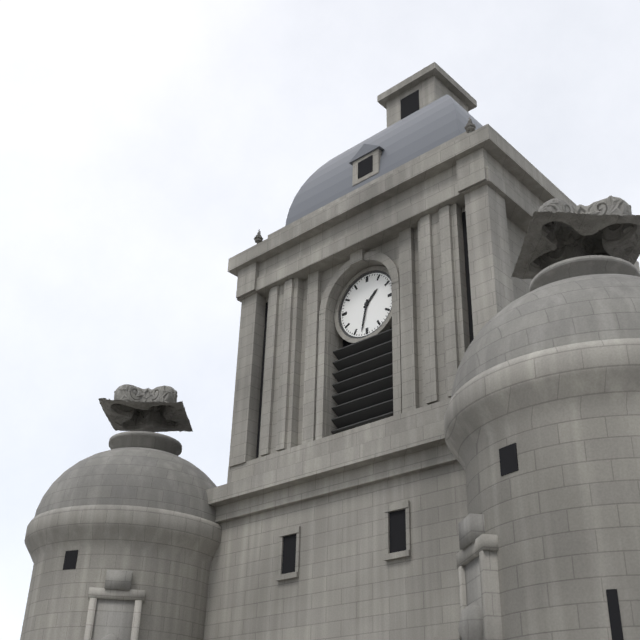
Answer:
**1:32**
